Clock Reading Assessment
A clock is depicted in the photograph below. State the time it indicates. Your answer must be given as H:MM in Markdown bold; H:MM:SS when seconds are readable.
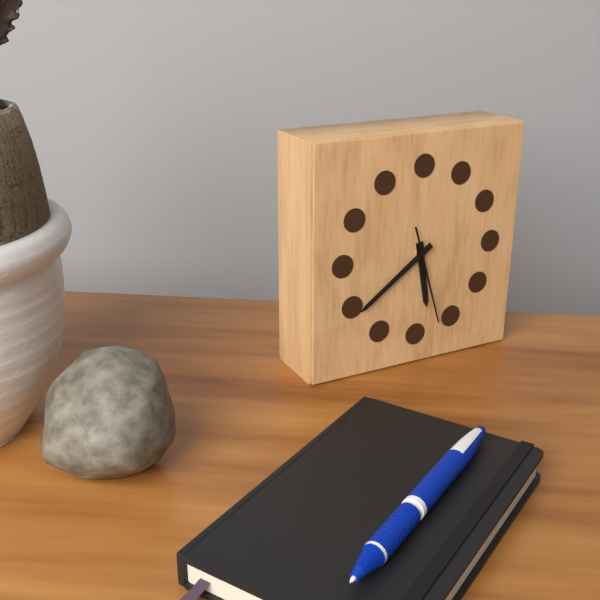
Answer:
**5:39:27**
